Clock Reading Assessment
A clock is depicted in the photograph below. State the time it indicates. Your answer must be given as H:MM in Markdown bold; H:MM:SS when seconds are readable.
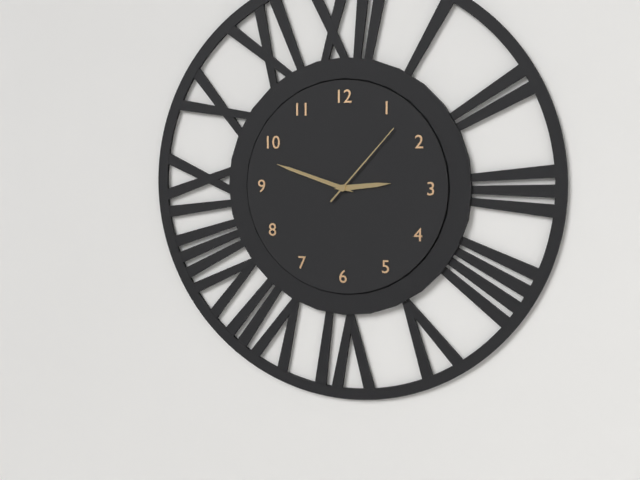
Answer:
**2:48:07**
